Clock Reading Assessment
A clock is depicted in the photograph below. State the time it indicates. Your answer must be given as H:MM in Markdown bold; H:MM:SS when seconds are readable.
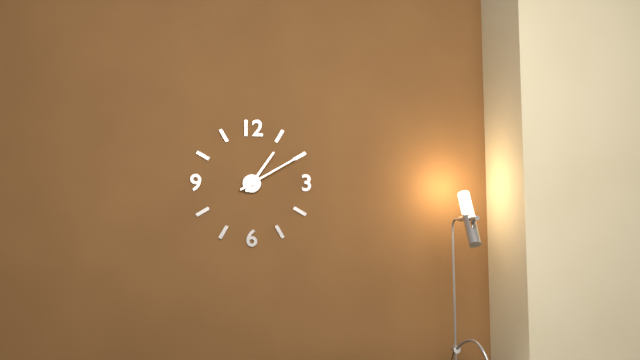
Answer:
**1:10**
